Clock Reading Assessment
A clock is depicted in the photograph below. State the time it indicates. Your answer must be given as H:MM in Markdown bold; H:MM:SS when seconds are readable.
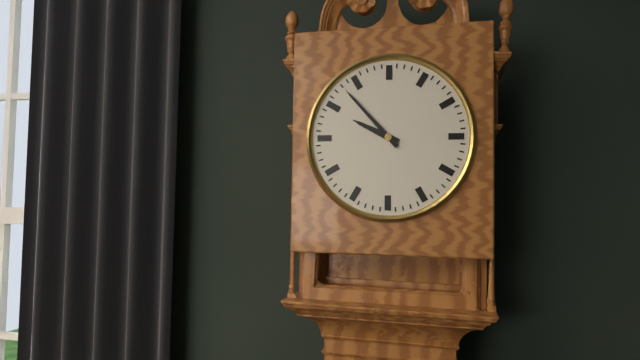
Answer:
**9:53**
